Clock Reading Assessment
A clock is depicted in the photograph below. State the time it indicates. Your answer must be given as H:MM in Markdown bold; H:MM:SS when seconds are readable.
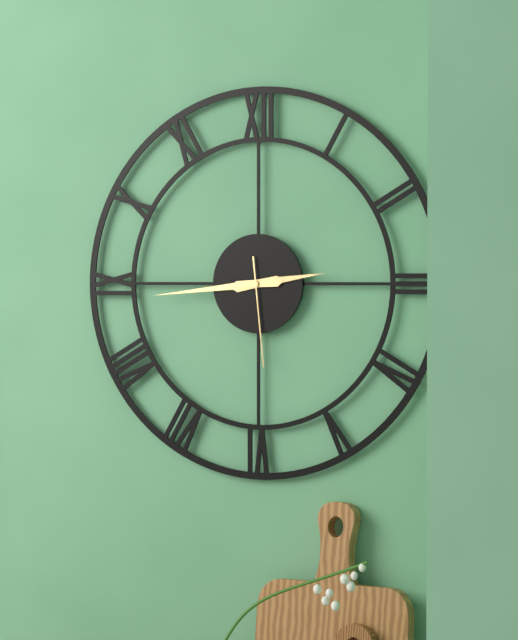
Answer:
**2:44:29**
